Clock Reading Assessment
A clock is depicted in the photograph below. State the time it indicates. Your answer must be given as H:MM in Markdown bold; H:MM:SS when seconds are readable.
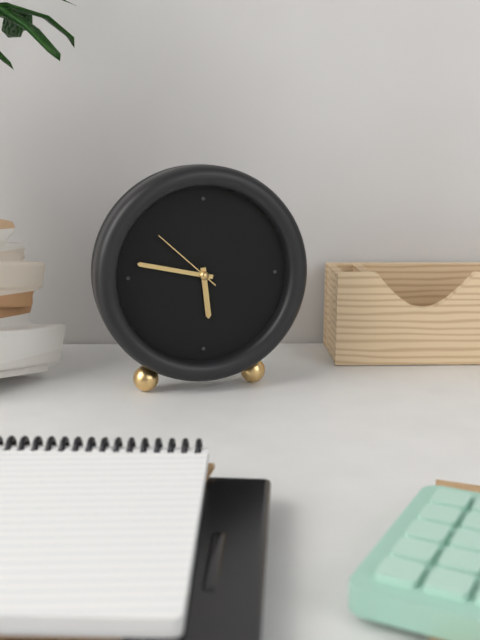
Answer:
**5:47:52**
